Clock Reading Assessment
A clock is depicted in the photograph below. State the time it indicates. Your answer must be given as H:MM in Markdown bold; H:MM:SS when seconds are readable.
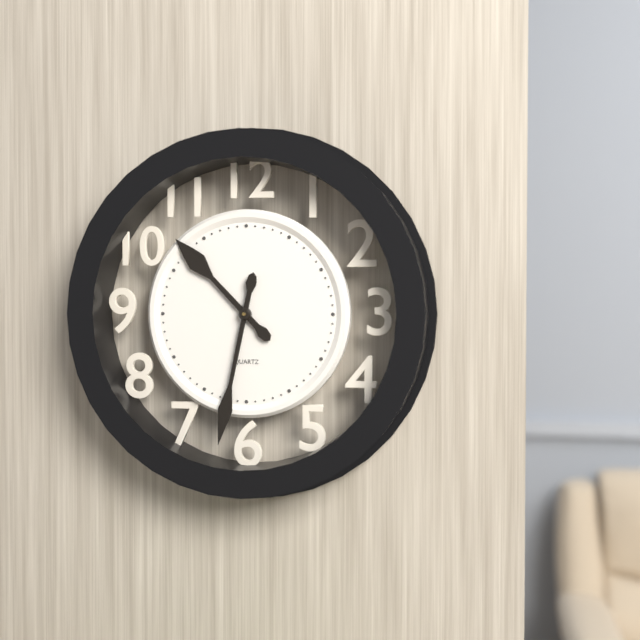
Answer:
**10:32**
